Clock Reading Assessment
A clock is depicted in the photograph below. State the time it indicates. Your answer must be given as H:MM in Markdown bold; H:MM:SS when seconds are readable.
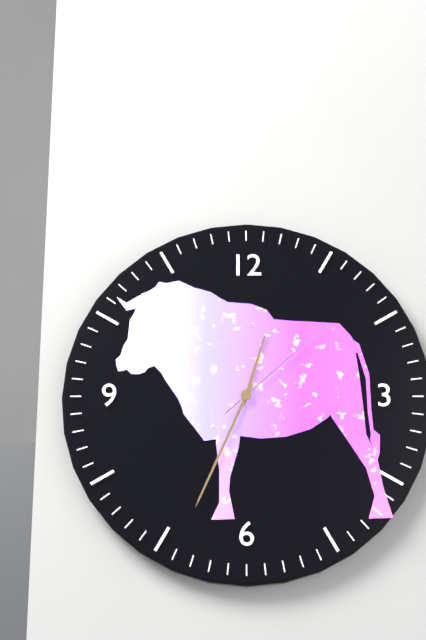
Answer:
**12:34:08**
